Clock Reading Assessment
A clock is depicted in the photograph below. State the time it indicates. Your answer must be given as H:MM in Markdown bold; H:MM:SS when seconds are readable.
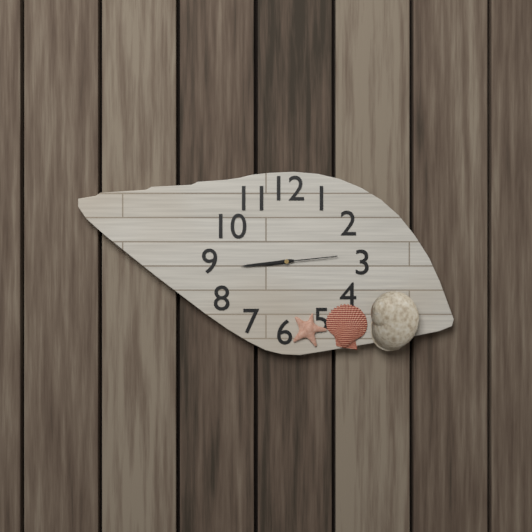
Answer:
**8:44:14**
